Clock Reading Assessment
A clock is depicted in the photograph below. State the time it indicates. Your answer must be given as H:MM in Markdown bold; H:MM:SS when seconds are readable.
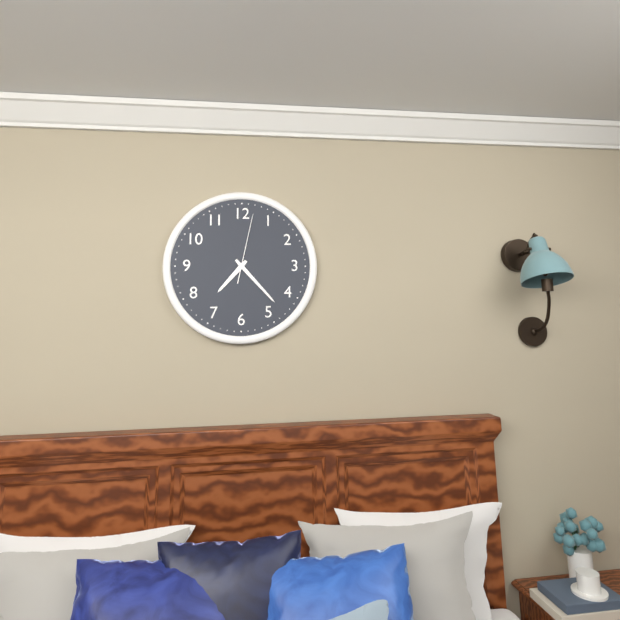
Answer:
**7:23:02**
